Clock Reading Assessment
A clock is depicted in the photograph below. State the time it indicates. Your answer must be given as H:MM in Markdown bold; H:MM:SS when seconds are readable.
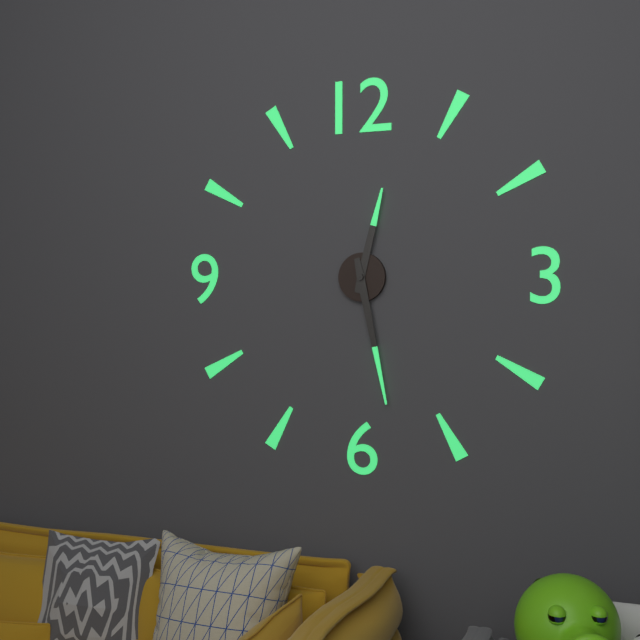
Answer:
**12:28**
